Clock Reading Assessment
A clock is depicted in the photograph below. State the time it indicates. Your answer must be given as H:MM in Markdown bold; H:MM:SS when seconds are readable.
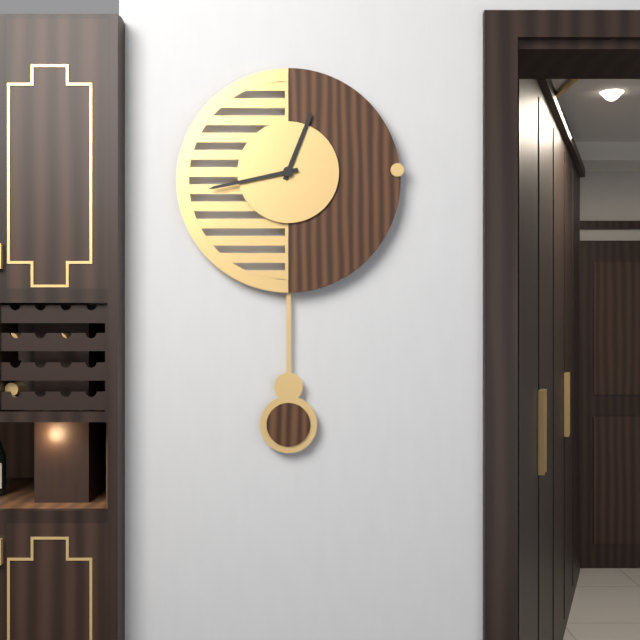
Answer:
**12:43**
